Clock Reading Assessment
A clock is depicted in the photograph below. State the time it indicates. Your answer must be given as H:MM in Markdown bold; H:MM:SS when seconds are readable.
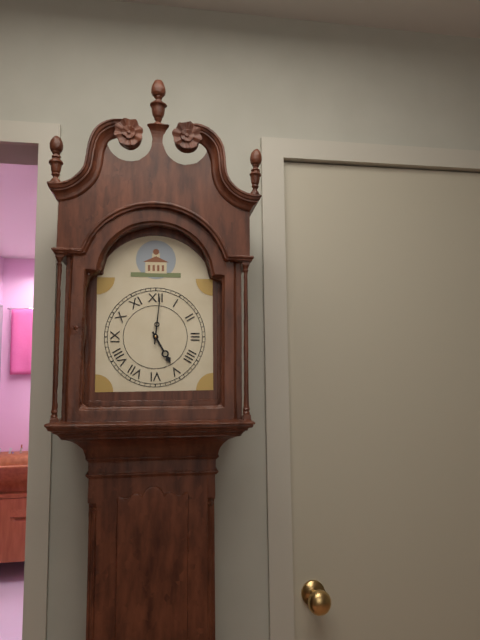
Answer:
**5:01**
